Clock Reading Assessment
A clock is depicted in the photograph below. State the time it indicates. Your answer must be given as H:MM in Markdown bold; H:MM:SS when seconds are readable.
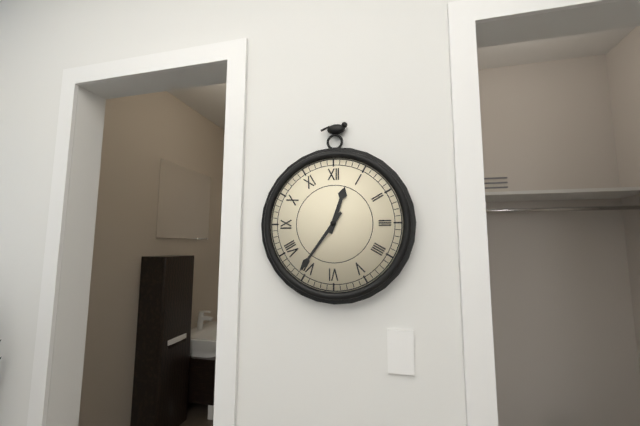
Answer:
**12:36**
